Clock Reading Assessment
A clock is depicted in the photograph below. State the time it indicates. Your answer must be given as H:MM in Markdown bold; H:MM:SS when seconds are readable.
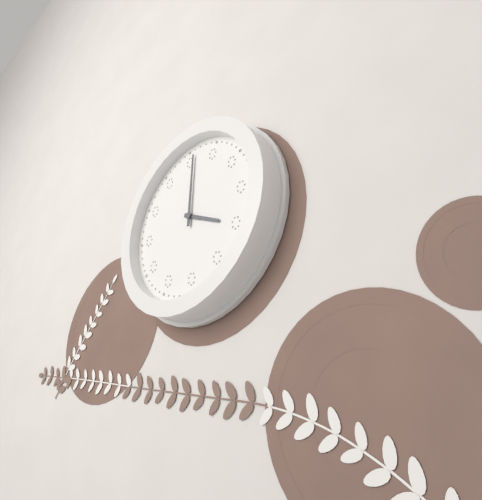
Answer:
**4:01**
